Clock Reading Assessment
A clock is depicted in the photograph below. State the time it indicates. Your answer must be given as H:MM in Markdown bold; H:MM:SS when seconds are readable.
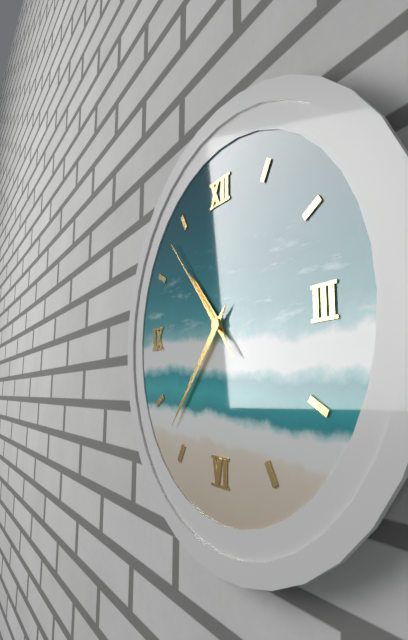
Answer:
**10:37:53**
